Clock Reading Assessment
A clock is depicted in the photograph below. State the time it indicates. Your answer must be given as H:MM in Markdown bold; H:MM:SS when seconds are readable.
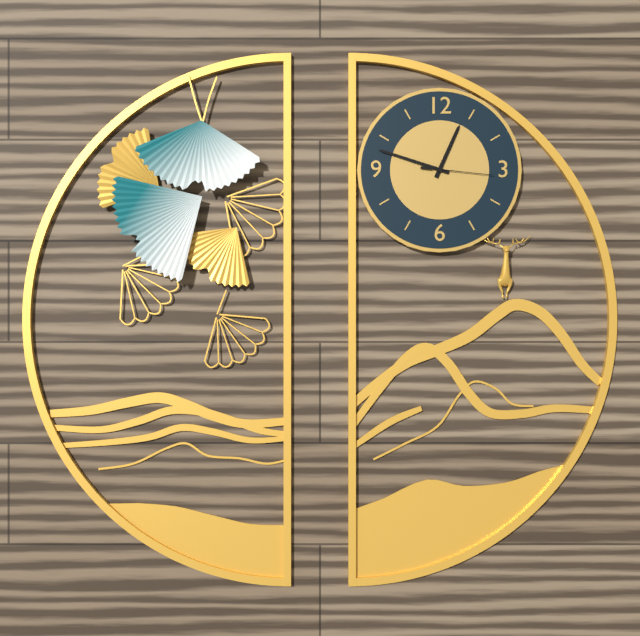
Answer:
**12:48:16**
